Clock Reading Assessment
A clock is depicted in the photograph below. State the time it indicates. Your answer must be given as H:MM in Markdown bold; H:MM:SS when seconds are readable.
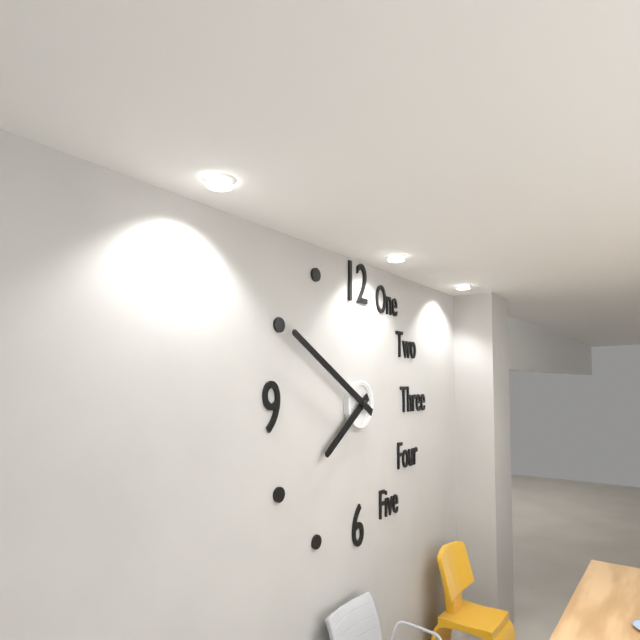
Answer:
**7:50**
